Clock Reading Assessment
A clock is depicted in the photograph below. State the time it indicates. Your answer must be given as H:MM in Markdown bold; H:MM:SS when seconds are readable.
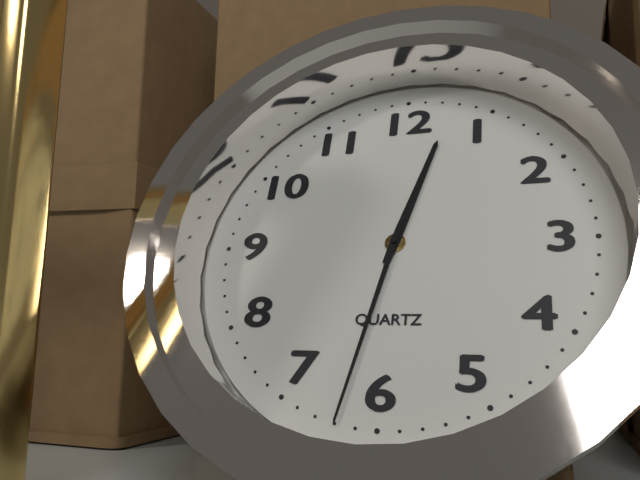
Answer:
**12:32**
